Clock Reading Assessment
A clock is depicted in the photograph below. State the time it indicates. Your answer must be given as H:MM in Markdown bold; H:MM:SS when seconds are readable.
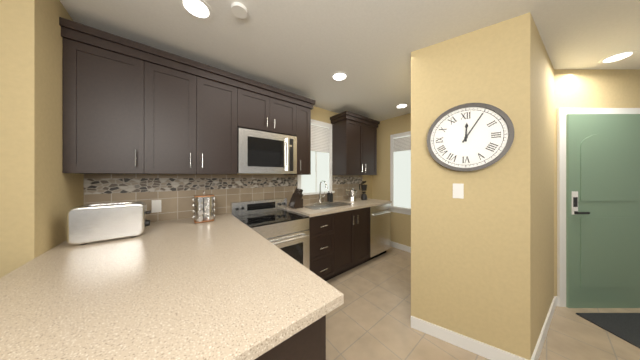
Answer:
**12:05**
